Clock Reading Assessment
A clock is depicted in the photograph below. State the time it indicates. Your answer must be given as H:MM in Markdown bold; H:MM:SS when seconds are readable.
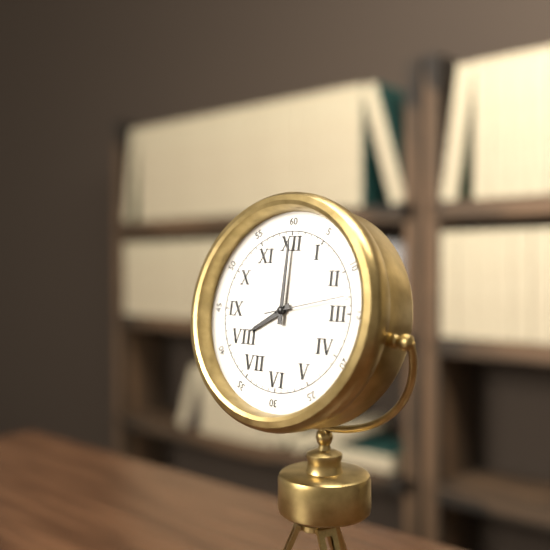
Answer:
**8:00:13**
